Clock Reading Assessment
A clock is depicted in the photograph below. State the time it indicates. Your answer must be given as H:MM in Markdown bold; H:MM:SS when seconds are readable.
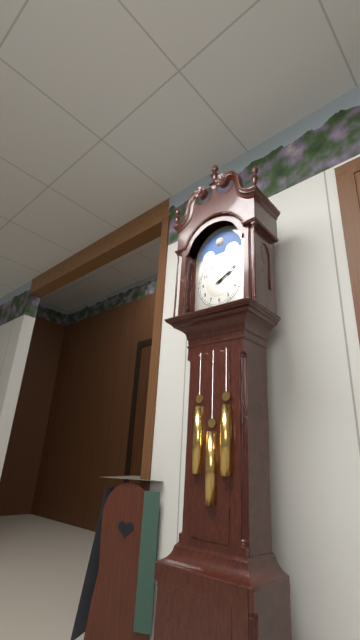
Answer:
**2:10**
